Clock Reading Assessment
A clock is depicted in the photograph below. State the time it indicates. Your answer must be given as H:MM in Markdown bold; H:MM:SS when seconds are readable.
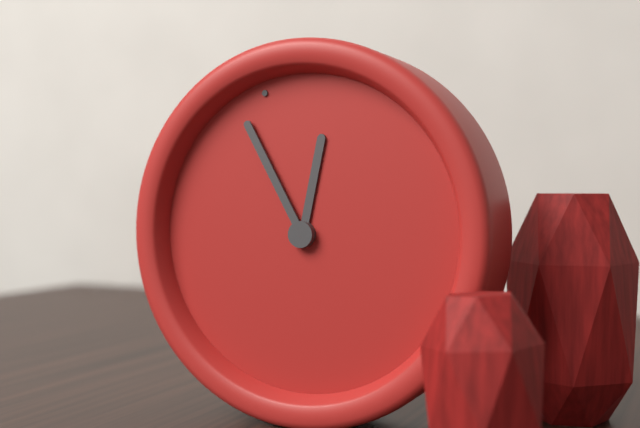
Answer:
**12:58**
